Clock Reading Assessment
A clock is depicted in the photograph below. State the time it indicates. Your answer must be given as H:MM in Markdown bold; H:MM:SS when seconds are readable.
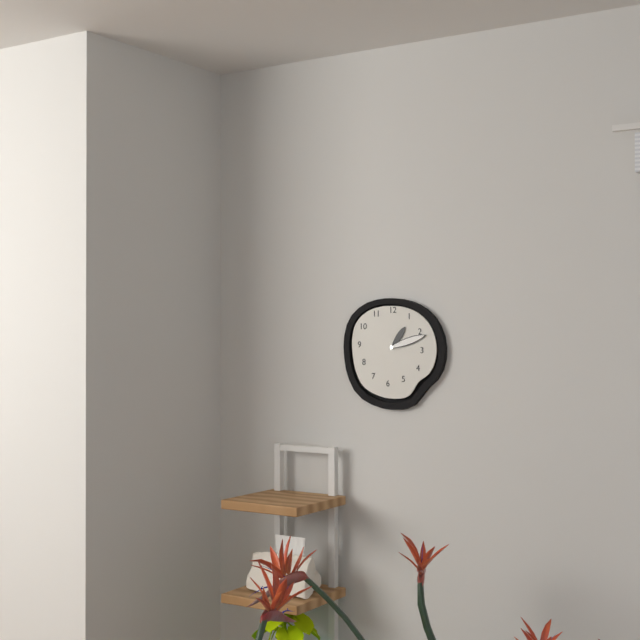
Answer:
**1:12**
